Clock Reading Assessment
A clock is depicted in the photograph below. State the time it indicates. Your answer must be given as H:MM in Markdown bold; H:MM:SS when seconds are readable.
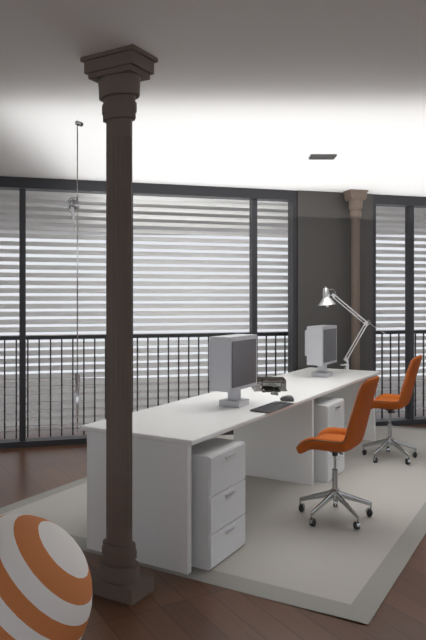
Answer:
**5:46**
